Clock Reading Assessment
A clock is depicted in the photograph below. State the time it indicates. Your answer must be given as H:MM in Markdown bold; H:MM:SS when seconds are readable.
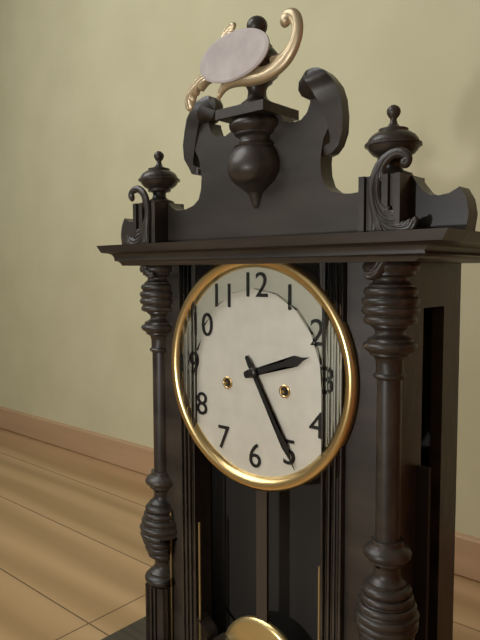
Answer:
**2:25**
